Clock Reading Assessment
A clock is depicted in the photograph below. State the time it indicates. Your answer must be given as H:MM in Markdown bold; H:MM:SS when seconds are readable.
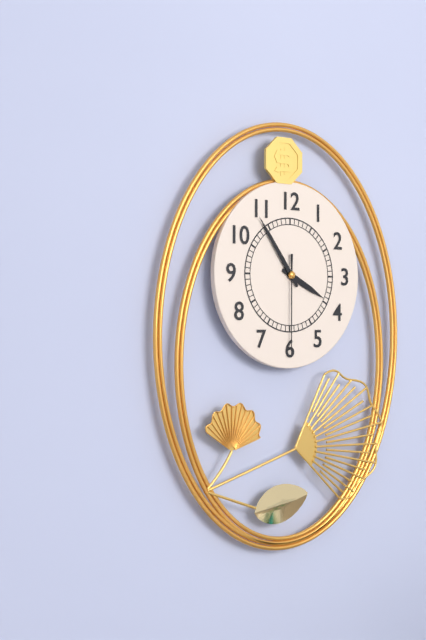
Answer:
**3:54:30**
